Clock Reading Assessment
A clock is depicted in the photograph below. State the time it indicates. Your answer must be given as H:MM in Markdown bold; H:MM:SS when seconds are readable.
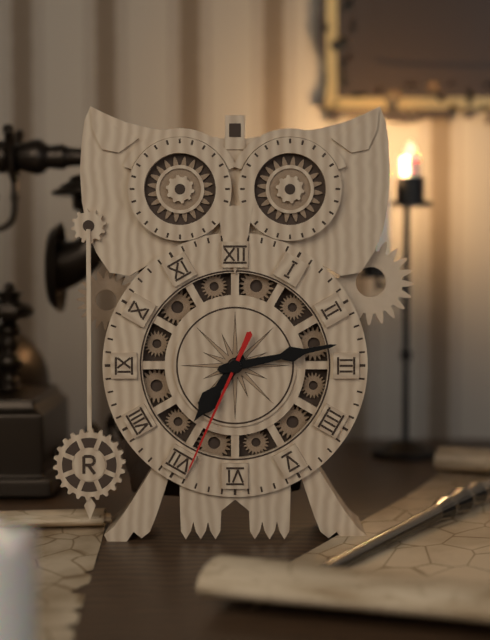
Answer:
**7:13:34**
